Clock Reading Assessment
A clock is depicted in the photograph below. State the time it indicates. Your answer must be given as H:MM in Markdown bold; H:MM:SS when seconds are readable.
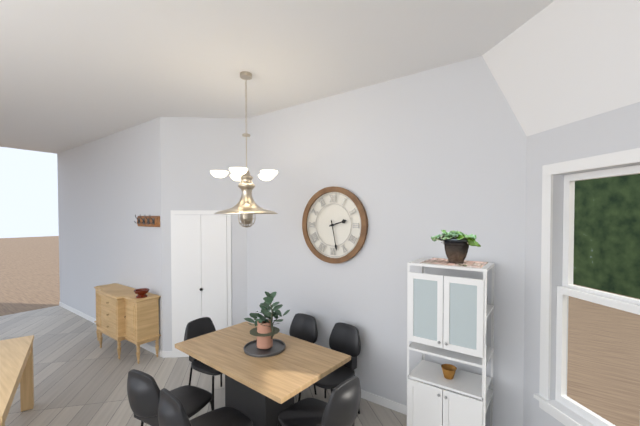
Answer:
**2:28**
